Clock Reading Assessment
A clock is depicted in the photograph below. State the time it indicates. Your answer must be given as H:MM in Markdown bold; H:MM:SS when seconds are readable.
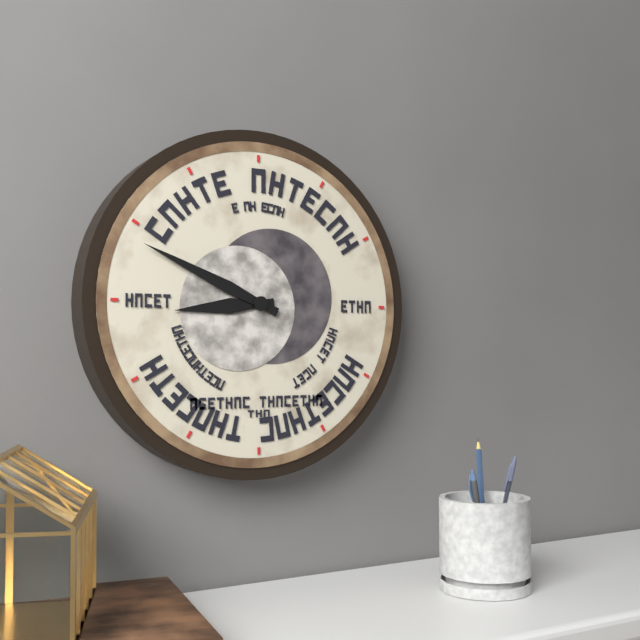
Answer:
**8:49**
